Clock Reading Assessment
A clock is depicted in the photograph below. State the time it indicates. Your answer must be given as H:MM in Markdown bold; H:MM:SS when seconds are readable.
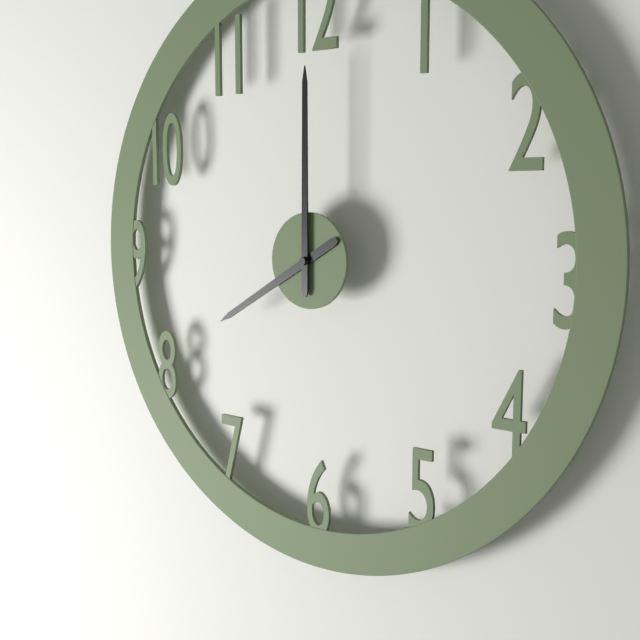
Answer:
**8:00**
